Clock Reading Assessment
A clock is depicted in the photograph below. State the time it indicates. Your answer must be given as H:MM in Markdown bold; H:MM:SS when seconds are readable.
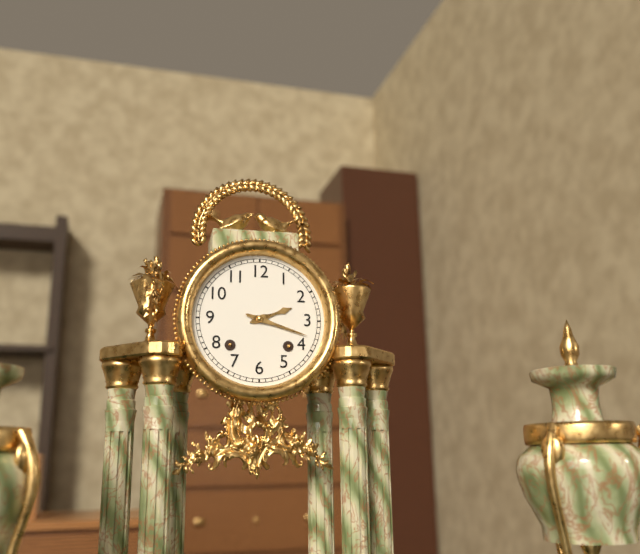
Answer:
**2:18**
